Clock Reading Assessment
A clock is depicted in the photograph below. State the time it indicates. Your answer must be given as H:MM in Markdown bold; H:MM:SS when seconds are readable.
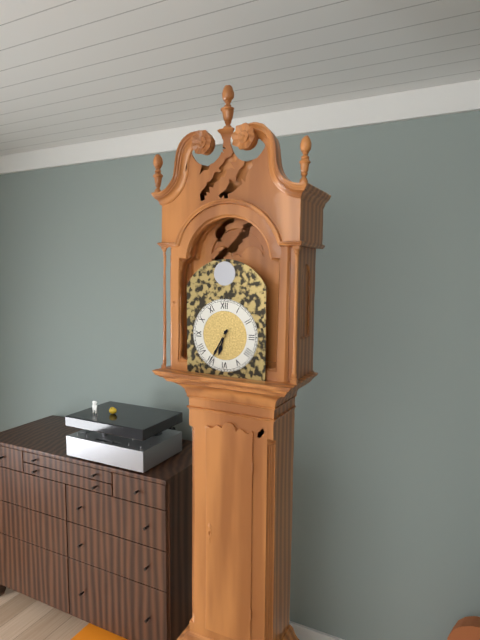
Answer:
**6:35**
